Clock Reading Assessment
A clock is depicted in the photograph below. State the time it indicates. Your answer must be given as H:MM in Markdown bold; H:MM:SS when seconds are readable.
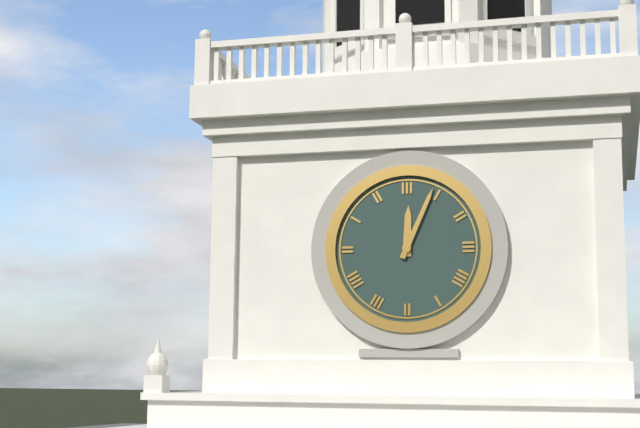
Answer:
**12:04**
